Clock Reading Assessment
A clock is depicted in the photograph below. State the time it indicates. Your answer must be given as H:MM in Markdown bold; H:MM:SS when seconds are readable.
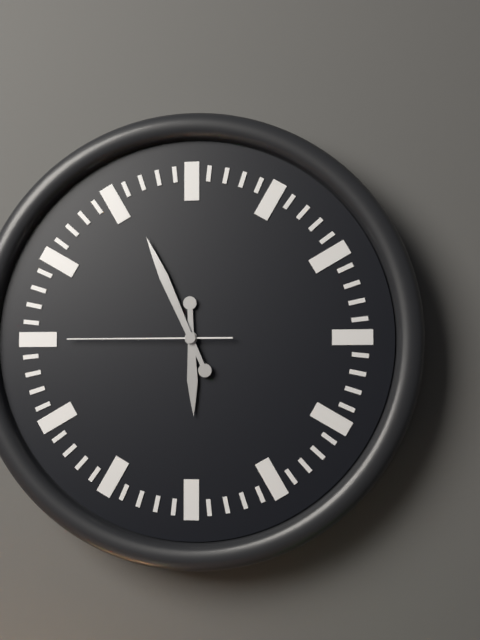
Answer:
**5:56:45**
